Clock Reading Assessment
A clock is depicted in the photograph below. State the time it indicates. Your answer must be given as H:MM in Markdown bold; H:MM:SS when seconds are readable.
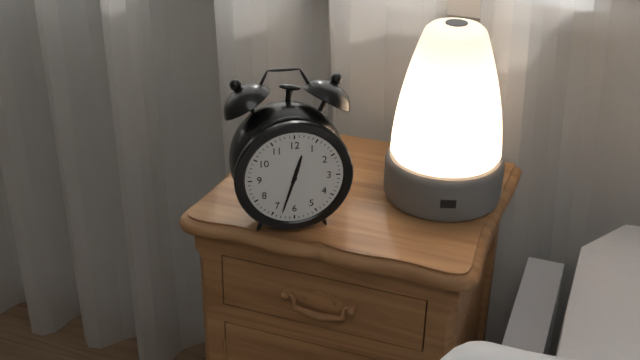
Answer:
**12:33**
